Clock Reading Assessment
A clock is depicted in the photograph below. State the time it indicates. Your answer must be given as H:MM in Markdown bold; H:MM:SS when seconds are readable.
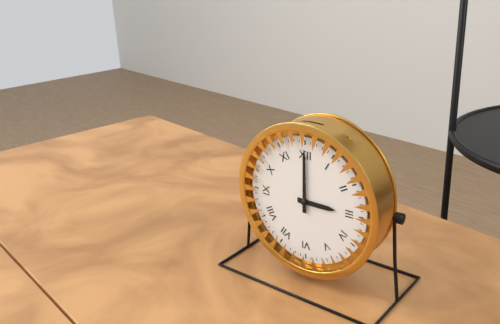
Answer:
**3:00**
